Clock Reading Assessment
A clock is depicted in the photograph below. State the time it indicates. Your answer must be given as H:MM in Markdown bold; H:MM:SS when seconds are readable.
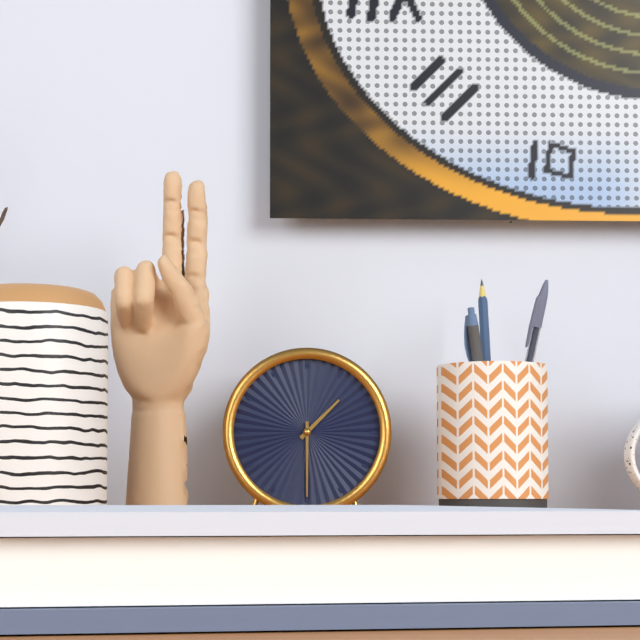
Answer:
**1:30**
